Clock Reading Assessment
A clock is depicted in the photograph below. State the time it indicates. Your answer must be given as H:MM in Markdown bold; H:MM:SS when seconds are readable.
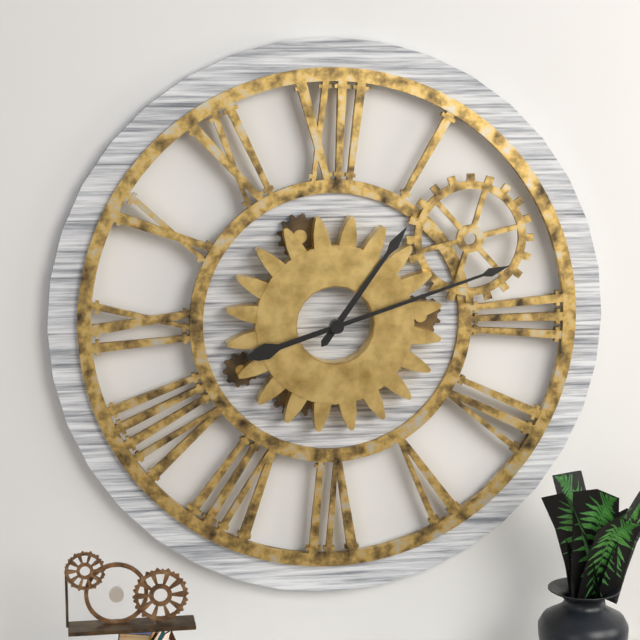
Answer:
**1:12**
